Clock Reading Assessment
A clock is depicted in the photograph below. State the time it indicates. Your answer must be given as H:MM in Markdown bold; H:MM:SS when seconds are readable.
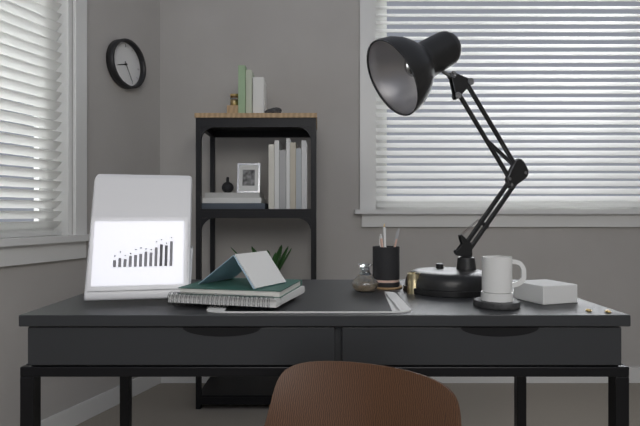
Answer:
**8:25**
